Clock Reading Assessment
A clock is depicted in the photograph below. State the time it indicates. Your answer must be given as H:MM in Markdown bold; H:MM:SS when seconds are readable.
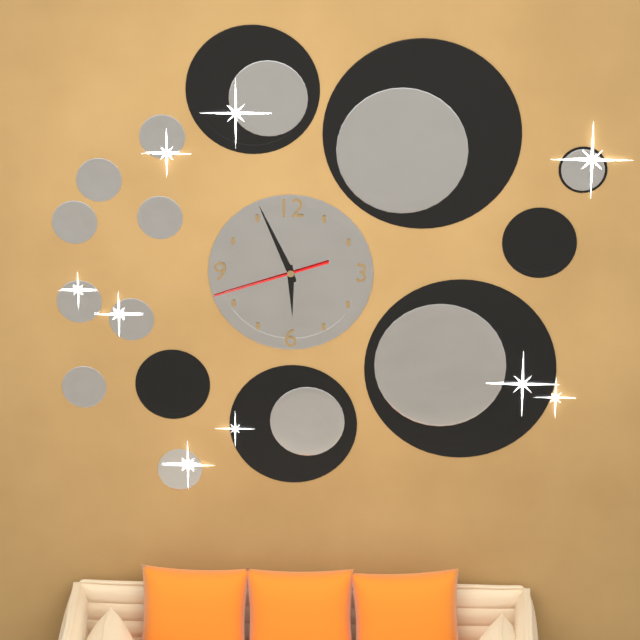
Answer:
**5:56:42**
